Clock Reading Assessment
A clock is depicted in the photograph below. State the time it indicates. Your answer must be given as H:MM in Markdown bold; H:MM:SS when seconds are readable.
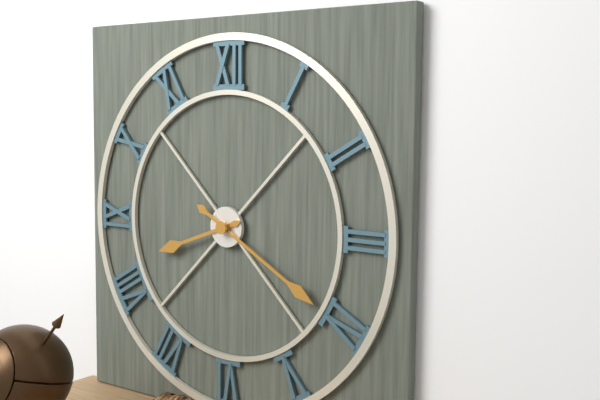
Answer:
**8:20**
